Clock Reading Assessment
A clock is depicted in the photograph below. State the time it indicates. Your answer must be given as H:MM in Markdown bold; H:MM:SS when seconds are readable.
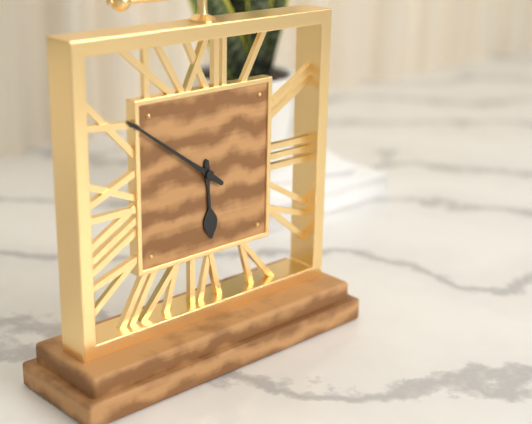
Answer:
**5:51**
